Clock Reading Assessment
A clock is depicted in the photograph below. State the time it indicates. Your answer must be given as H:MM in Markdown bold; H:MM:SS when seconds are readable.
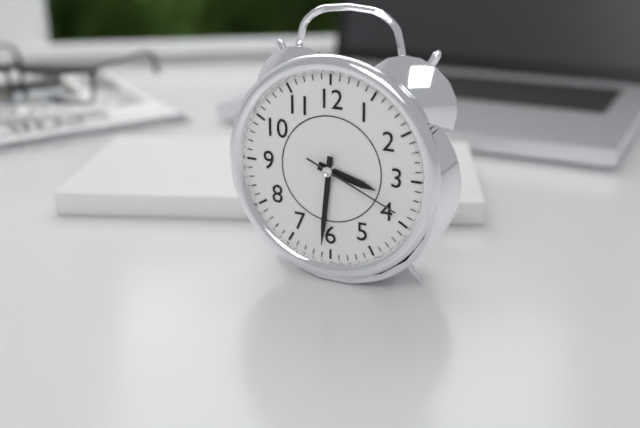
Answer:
**3:31:19**
